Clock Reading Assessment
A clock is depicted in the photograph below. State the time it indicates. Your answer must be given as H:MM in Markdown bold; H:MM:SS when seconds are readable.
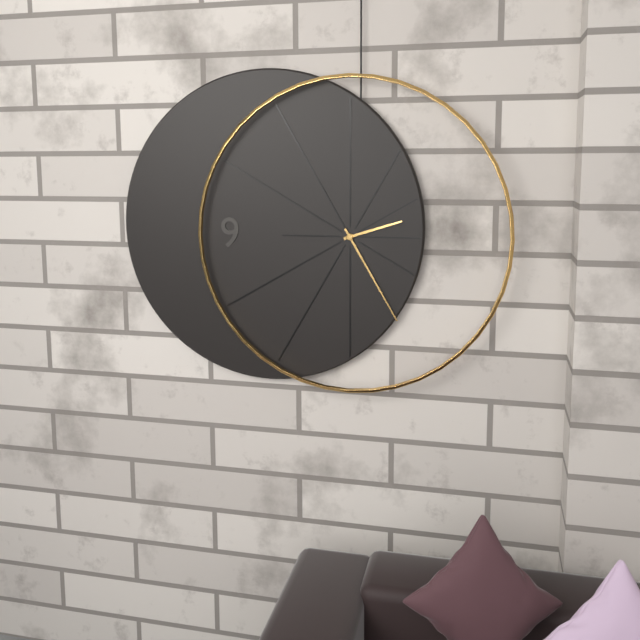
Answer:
**2:25**
